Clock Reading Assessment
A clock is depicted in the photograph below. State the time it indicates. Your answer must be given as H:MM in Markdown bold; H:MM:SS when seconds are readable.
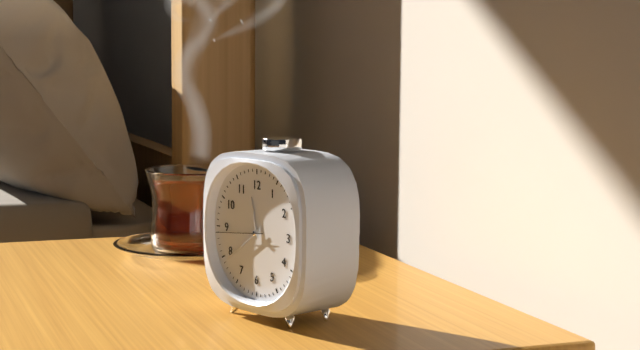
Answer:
**11:39**
